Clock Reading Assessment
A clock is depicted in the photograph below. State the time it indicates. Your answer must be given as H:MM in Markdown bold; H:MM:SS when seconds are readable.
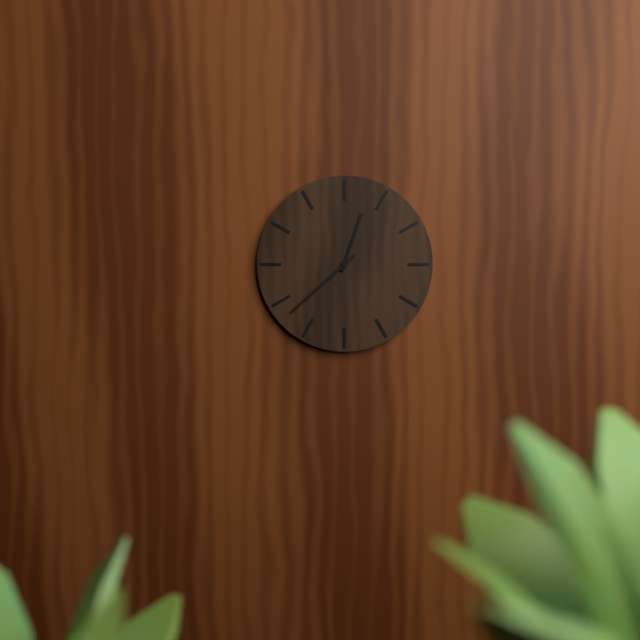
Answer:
**12:38**
